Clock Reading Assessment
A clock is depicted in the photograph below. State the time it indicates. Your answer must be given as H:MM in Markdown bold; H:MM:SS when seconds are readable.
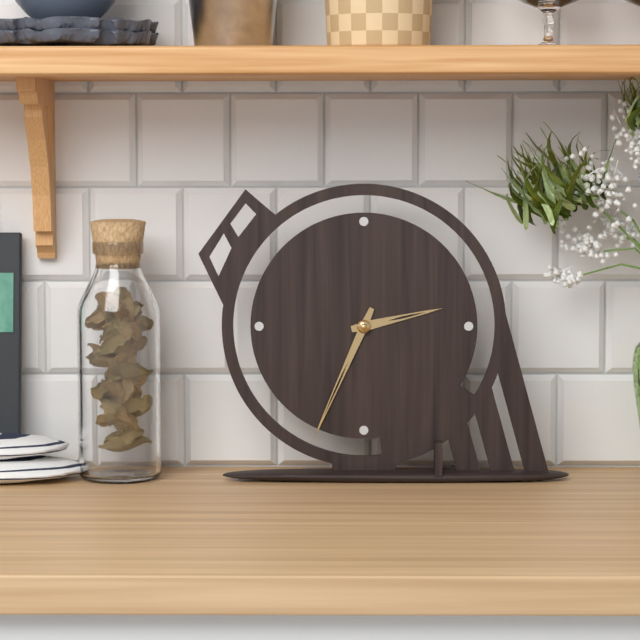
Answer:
**2:34**
